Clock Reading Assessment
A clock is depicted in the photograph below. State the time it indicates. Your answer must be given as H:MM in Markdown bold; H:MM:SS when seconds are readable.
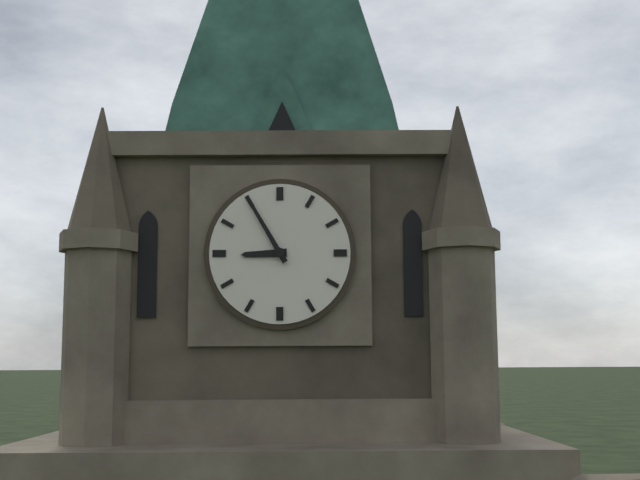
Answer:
**8:55**
